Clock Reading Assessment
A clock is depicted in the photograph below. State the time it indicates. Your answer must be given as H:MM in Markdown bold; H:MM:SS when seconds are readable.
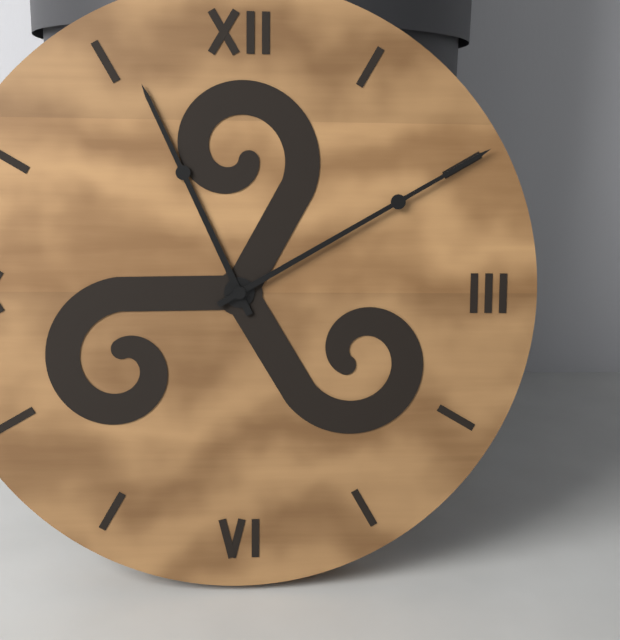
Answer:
**11:10**
